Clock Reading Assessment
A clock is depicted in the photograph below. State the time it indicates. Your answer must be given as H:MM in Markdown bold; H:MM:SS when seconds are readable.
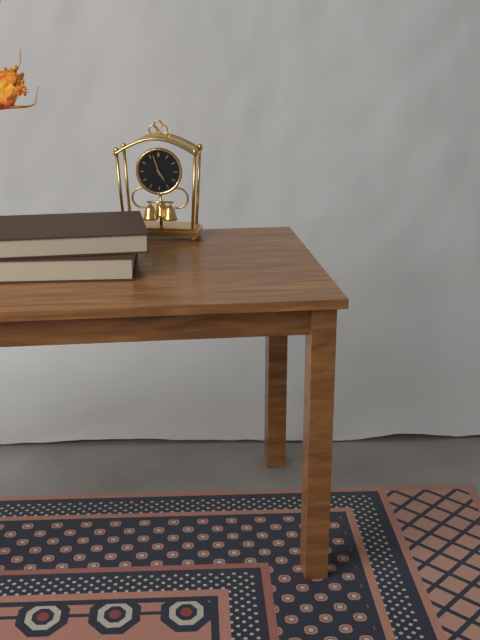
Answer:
**4:57**
